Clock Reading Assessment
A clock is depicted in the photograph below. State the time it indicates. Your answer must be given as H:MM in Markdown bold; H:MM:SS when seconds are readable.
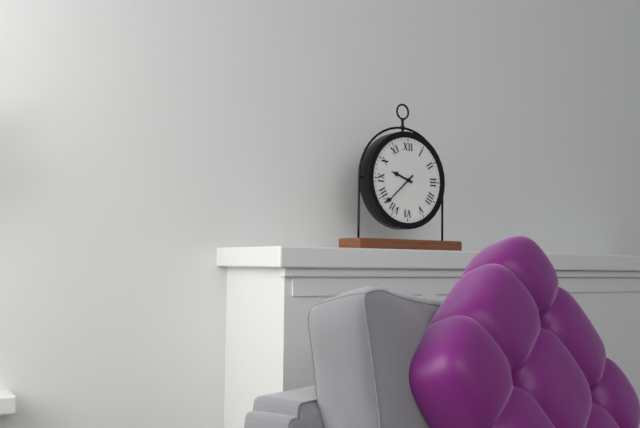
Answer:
**9:38**
